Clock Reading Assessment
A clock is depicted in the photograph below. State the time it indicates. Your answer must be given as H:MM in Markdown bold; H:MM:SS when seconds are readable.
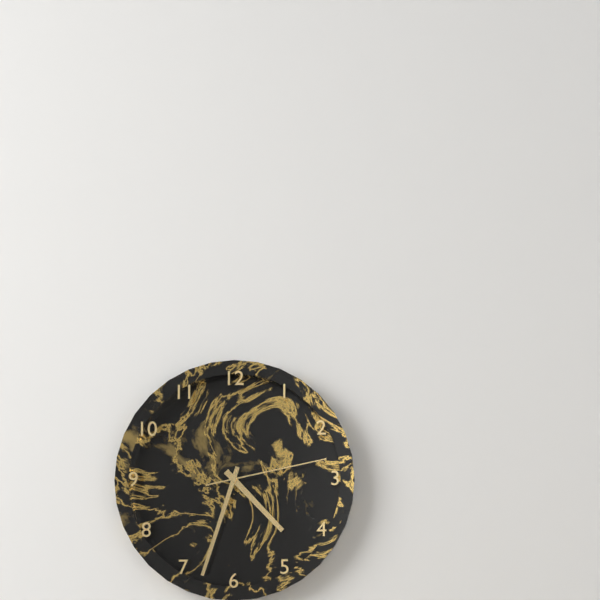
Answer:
**4:33:13**
